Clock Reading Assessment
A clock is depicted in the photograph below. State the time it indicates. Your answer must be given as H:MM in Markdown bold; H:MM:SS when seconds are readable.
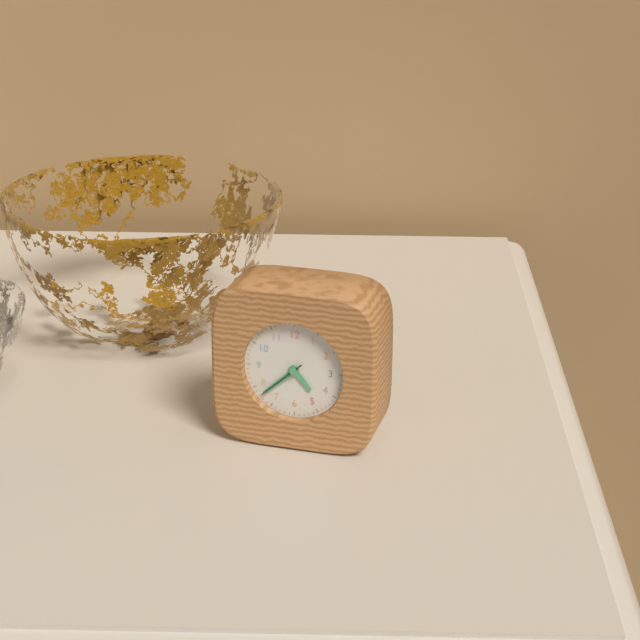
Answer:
**4:38**
